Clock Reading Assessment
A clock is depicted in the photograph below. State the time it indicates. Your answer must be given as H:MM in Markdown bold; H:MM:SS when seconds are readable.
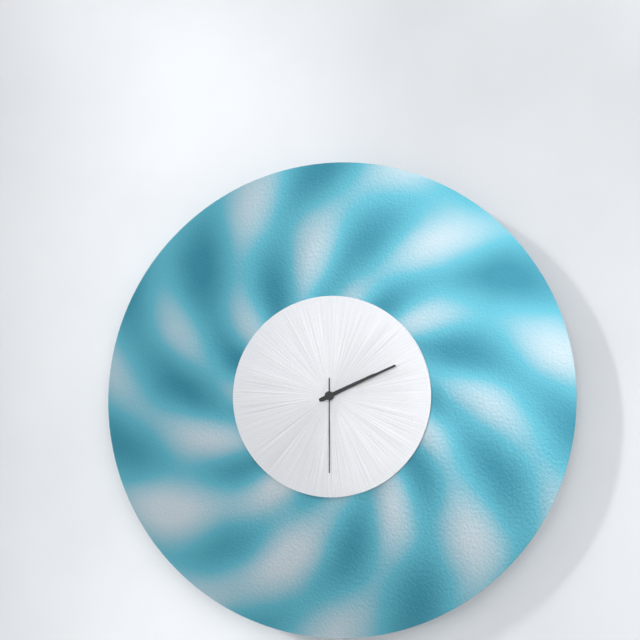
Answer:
**2:11:30**
